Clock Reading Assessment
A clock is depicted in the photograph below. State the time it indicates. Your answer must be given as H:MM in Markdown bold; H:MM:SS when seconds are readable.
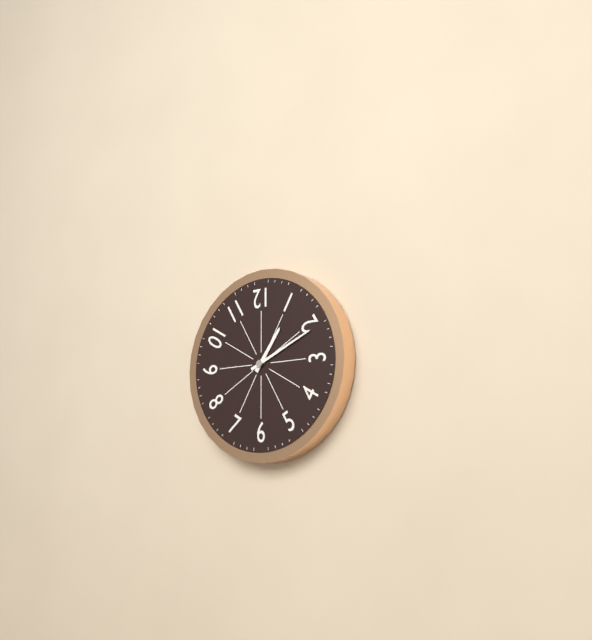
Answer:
**1:11**
